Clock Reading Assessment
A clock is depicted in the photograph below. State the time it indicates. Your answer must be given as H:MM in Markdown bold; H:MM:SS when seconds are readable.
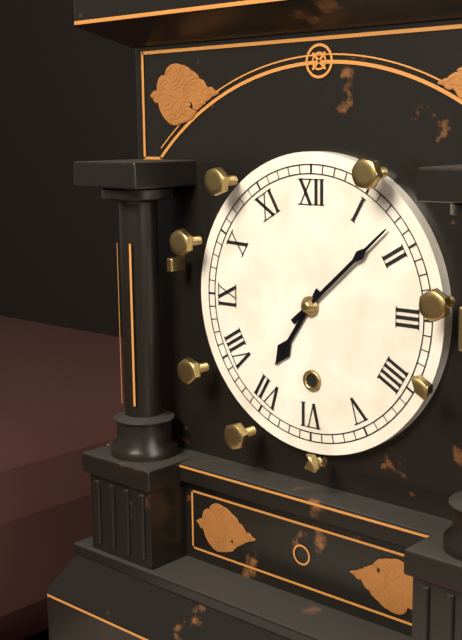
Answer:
**7:08**
